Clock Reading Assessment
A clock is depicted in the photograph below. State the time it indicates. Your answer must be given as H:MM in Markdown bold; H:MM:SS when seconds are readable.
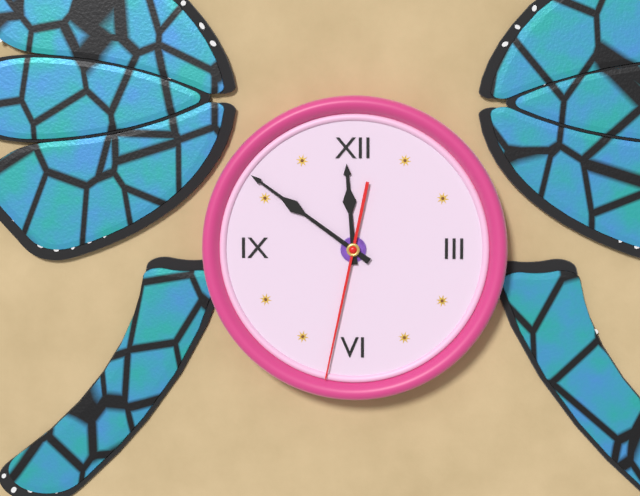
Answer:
**11:51:32**
